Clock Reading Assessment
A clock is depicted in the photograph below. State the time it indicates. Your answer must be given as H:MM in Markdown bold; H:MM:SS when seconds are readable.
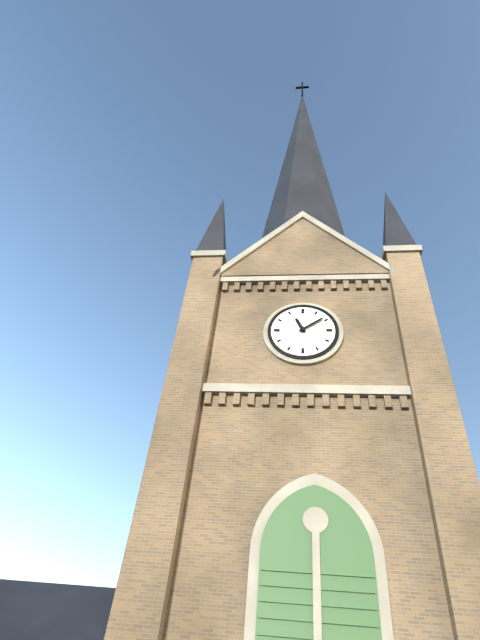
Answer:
**11:09**
